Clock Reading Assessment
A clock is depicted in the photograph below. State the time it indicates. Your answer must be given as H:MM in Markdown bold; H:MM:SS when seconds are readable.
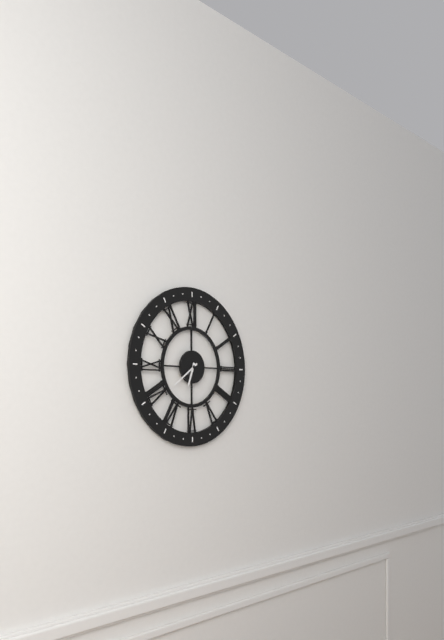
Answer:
**6:39**
